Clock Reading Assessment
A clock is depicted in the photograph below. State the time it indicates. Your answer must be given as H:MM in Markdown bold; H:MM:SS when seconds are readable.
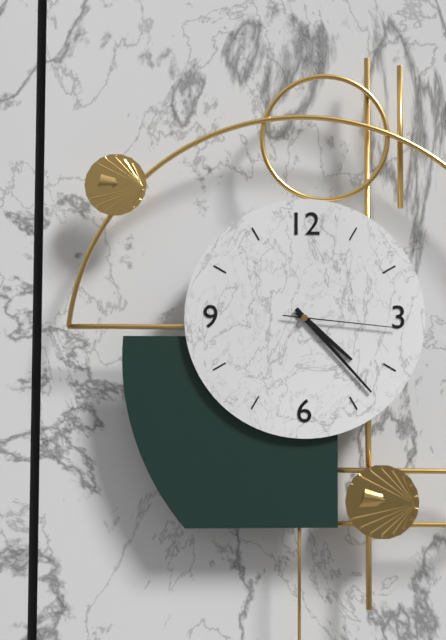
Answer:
**4:23:16**
